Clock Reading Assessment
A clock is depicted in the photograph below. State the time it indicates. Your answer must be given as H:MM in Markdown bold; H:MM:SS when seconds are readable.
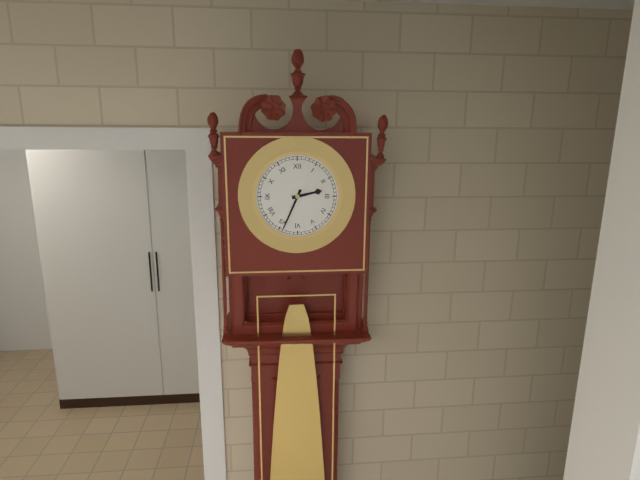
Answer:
**2:34**
